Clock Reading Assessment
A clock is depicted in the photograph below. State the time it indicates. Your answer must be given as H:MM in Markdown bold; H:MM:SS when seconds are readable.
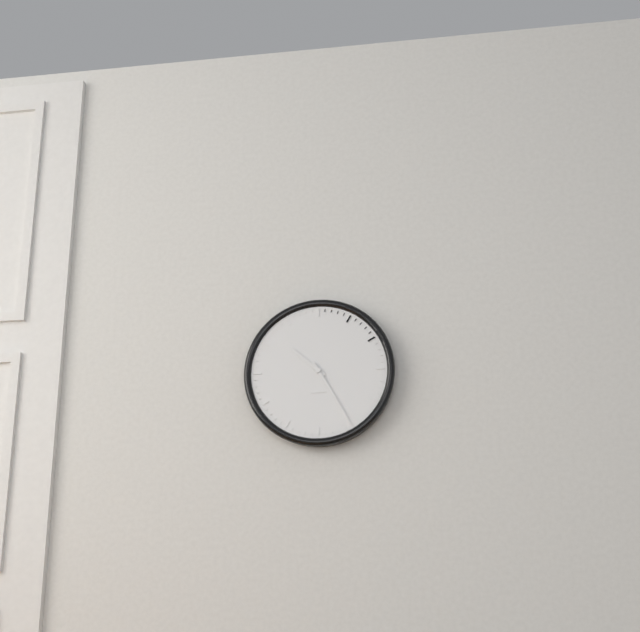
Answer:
**10:25**
